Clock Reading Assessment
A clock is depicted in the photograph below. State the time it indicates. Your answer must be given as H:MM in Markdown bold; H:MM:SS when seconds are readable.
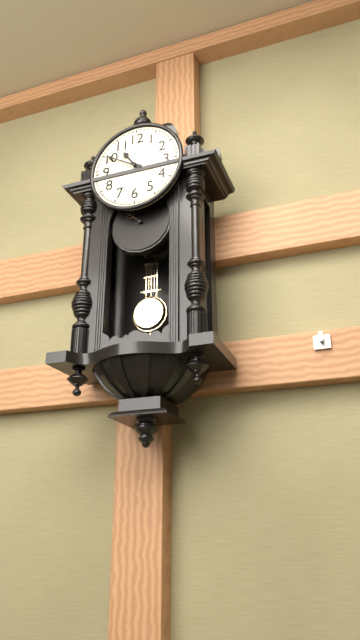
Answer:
**10:50**
